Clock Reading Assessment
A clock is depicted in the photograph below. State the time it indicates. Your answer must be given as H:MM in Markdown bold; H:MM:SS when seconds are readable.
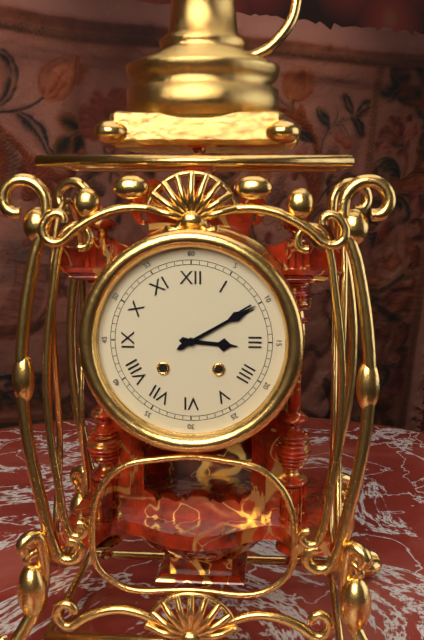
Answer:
**3:10**
